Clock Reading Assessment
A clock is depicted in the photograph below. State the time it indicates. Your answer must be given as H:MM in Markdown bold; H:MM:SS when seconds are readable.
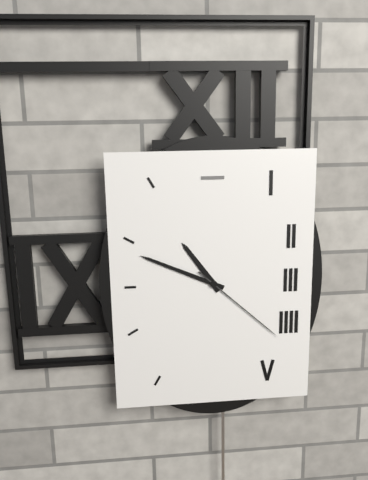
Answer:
**10:49:22**
